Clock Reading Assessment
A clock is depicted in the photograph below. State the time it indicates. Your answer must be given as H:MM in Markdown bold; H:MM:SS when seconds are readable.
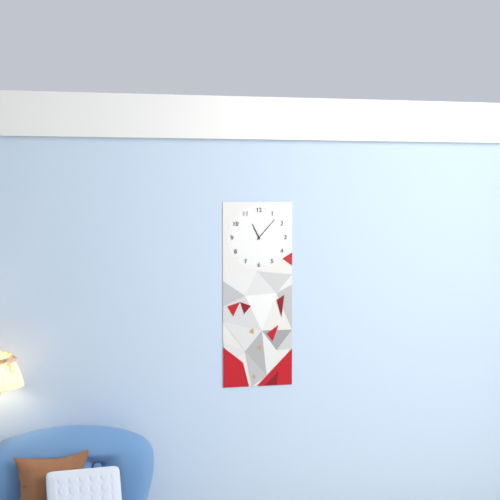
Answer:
**11:07**
